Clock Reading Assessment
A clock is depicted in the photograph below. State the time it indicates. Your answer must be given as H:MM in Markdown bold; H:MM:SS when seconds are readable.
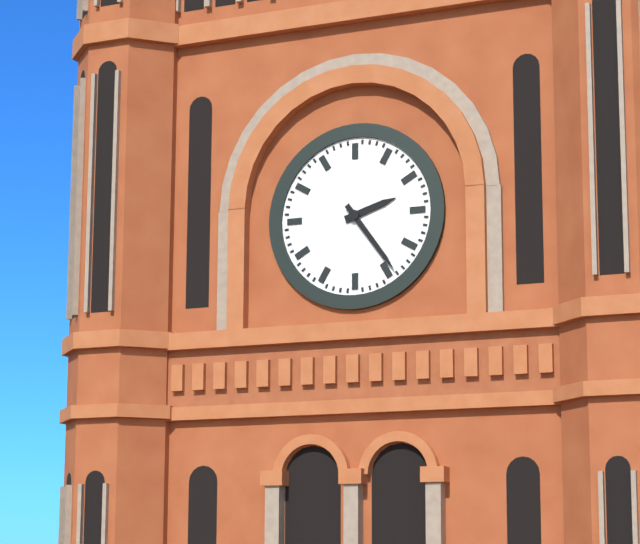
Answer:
**2:24**
